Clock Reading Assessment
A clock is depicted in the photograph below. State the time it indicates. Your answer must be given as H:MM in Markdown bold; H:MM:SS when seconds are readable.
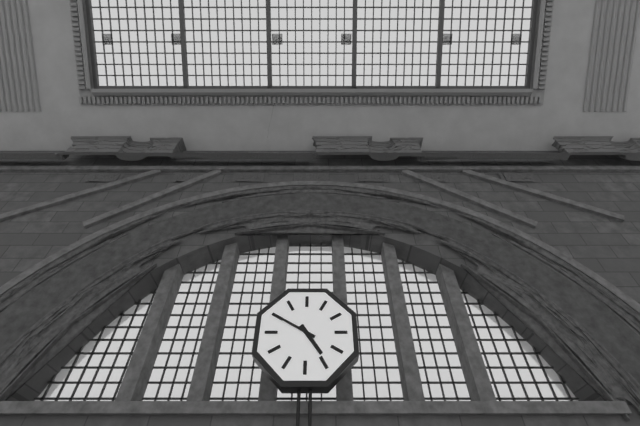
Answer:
**4:50**
